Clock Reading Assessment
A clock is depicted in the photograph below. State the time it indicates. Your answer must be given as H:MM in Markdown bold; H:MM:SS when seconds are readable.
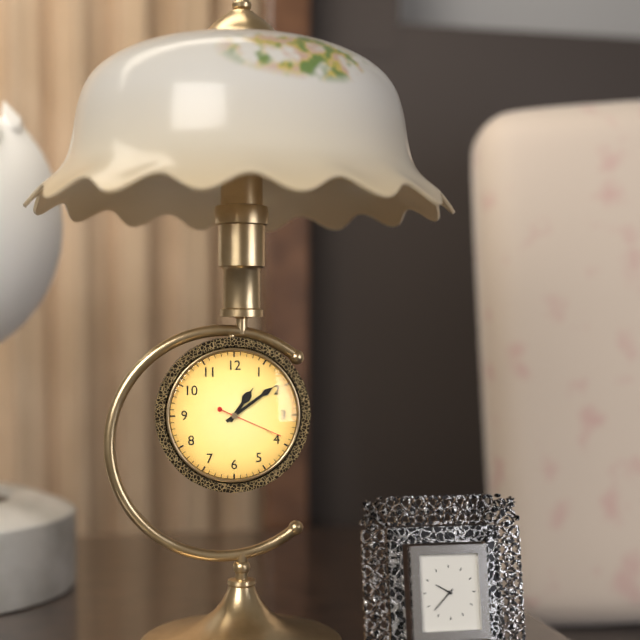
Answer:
**1:09:19**
